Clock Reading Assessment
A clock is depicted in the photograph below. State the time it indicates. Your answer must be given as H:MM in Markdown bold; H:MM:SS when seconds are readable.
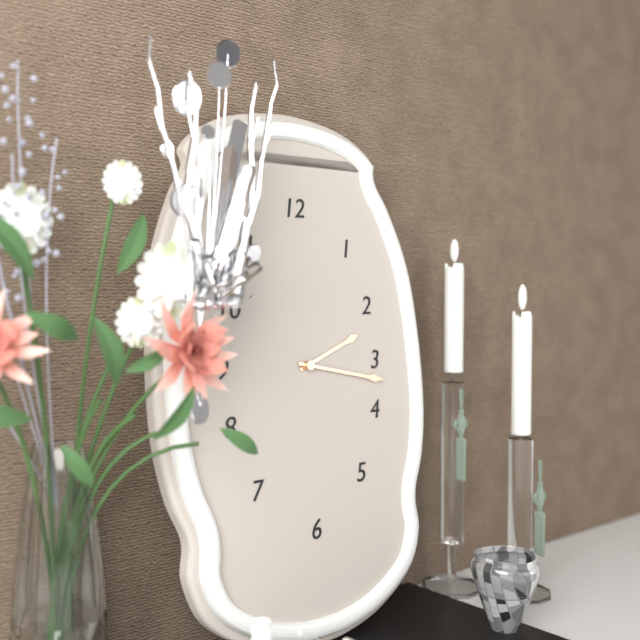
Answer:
**2:17**
